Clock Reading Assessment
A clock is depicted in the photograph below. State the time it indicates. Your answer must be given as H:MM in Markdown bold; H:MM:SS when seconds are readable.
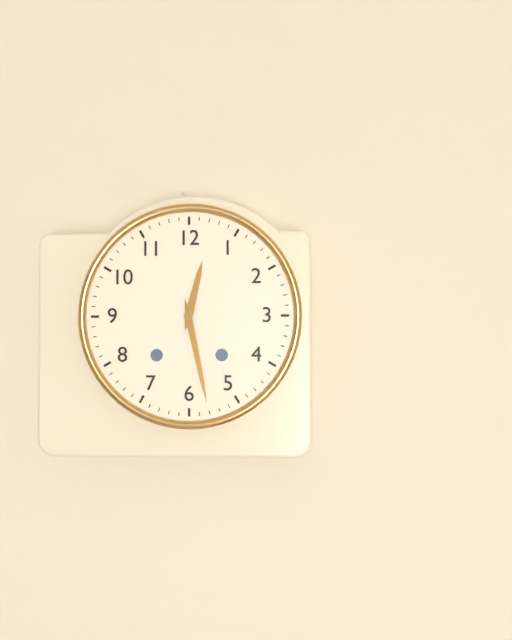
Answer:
**12:28**
